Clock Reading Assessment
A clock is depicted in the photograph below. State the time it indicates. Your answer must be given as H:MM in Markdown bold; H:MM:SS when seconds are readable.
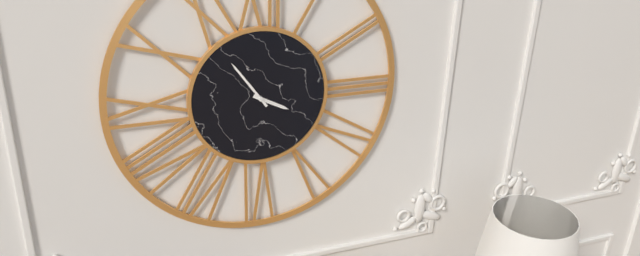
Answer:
**3:54**
